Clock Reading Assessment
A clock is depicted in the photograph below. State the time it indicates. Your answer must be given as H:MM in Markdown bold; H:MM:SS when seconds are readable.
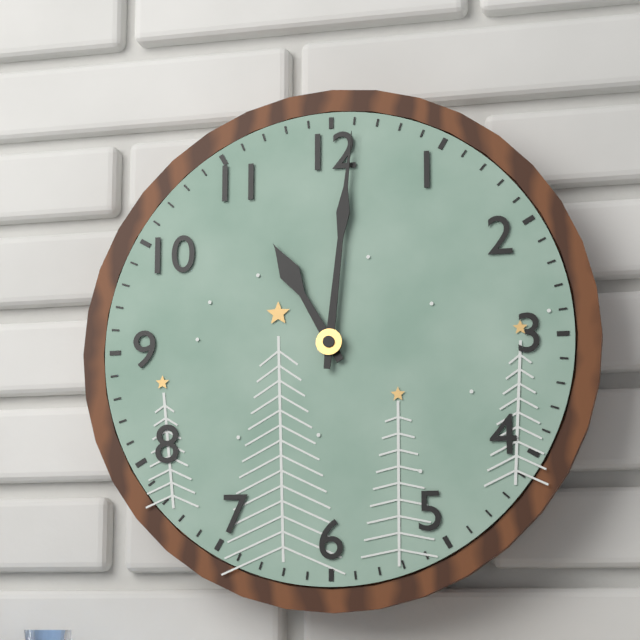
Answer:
**11:01**
